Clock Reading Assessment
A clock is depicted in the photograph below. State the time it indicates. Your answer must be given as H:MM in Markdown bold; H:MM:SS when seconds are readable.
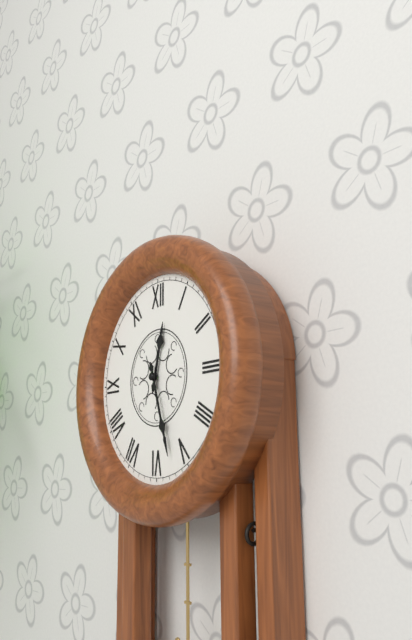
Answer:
**12:27**
